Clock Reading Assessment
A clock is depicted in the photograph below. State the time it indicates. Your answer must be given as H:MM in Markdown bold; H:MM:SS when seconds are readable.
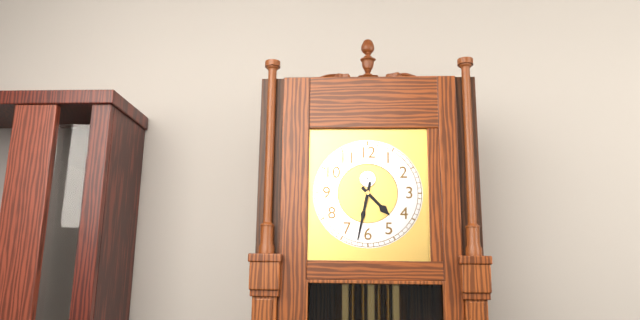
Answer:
**4:32**
